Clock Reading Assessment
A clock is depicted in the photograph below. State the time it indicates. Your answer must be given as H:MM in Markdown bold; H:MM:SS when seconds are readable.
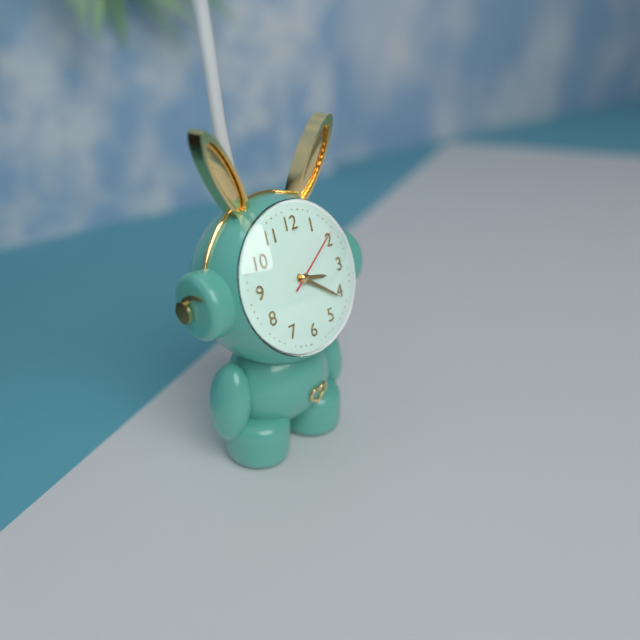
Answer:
**3:21:09**
